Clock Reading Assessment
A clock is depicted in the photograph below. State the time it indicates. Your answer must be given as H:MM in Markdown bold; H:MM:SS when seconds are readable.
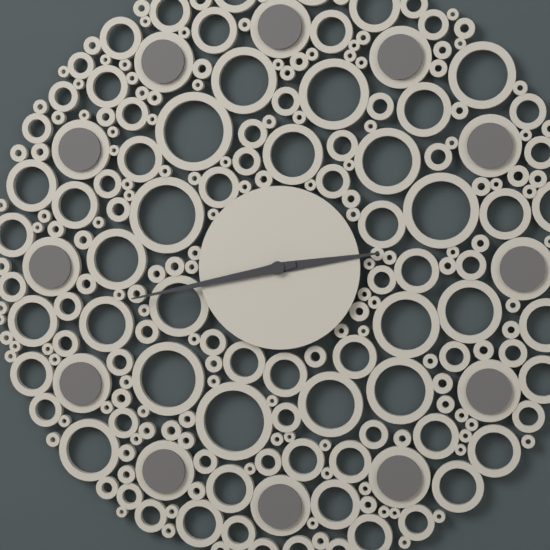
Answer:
**2:43**
